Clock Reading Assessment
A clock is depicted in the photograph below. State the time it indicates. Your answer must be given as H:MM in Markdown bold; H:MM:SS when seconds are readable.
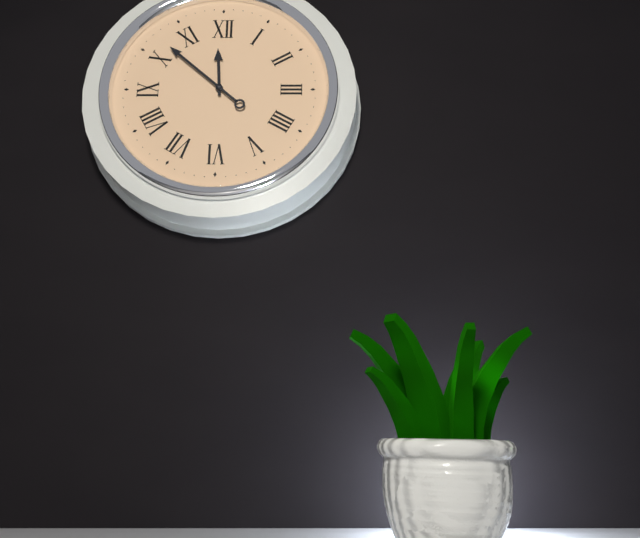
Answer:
**11:52**
